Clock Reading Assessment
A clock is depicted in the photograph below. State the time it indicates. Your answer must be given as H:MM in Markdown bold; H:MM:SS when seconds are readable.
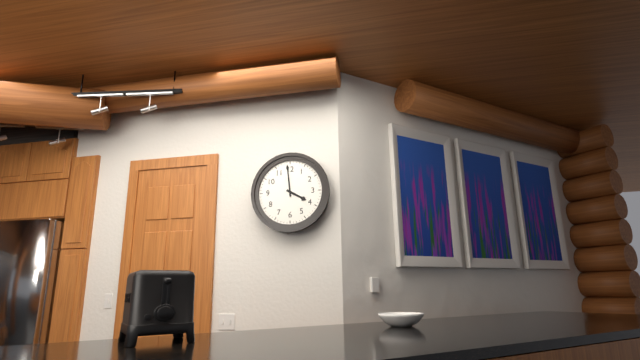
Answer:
**3:59**
